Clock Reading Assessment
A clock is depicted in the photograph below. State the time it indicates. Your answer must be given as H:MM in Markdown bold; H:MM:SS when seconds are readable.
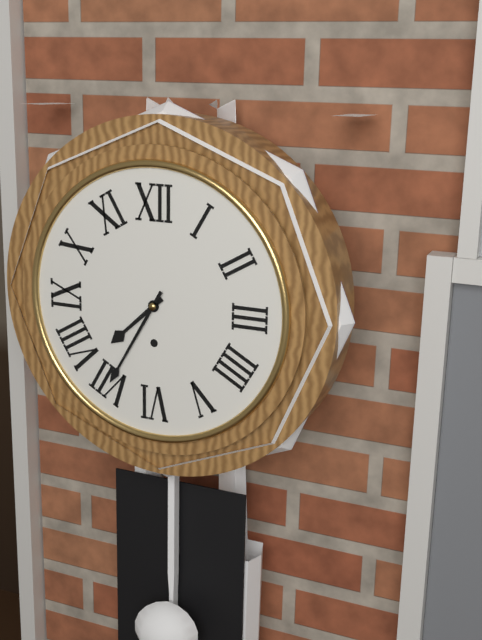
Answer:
**7:35**
